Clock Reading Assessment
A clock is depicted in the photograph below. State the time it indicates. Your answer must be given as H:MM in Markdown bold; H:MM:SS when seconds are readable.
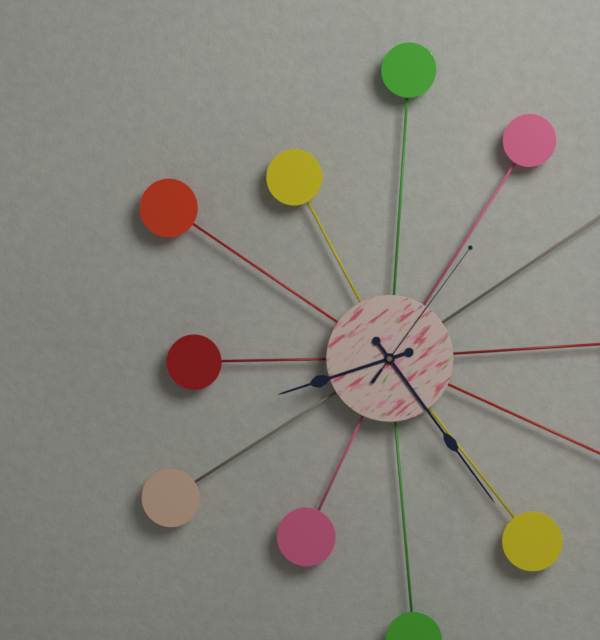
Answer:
**8:24:06**
